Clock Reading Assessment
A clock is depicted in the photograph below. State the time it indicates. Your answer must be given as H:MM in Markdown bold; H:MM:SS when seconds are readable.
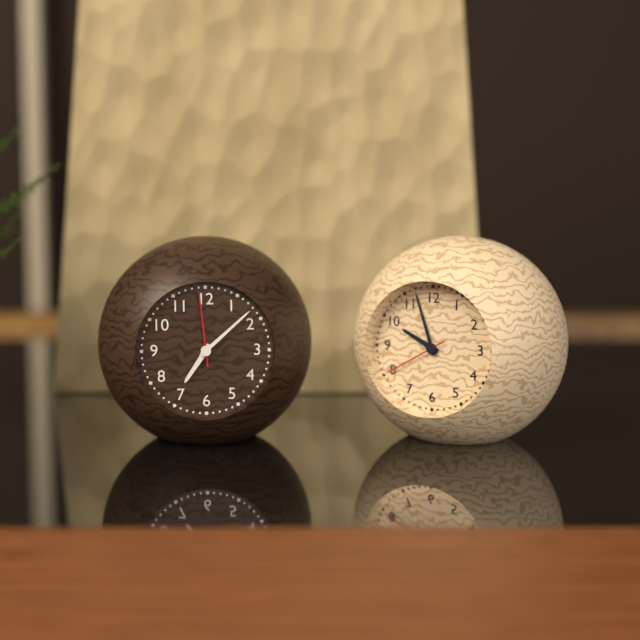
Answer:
**7:08:59**
